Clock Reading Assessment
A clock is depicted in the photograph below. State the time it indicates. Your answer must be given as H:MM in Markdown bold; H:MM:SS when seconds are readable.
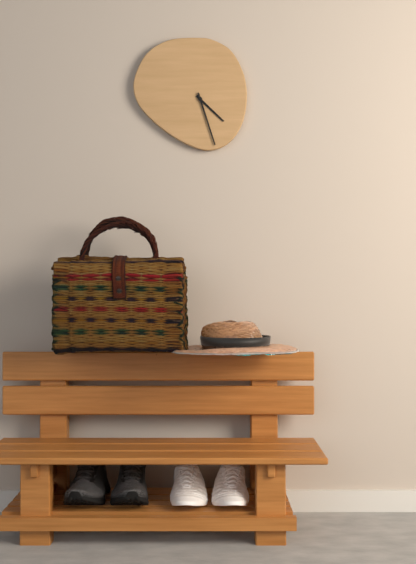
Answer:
**4:27**
